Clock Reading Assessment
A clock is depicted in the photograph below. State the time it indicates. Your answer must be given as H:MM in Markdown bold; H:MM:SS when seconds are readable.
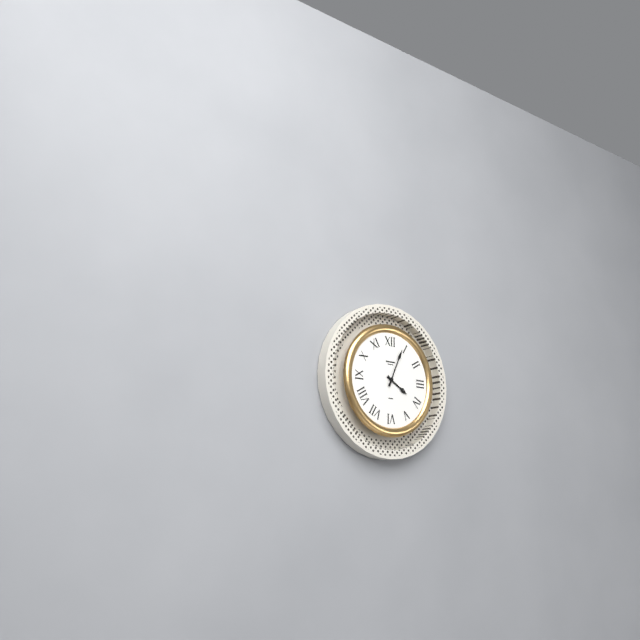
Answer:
**4:04**
